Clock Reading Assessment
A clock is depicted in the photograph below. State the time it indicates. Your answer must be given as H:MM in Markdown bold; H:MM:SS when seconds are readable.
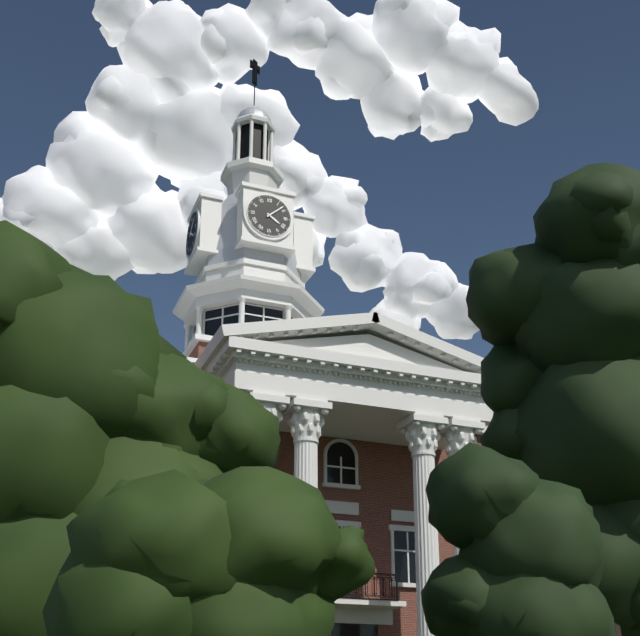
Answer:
**4:08**
